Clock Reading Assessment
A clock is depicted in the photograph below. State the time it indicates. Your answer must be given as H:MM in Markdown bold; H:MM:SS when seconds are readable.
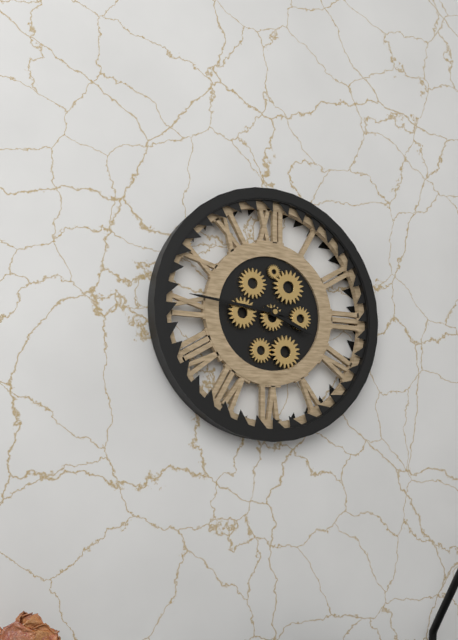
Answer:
**3:46**
